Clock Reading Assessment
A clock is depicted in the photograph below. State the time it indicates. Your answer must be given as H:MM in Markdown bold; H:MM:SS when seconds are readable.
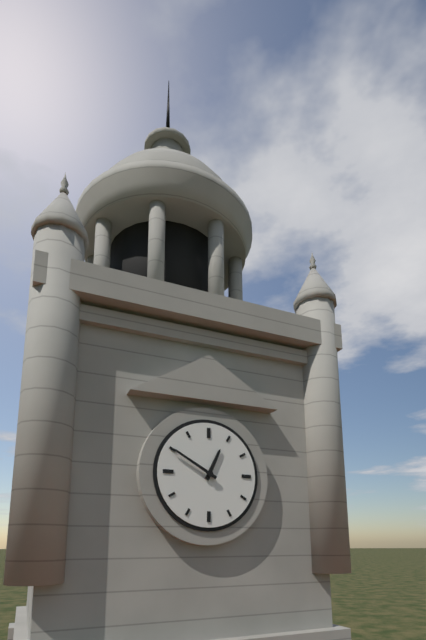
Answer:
**12:50**
